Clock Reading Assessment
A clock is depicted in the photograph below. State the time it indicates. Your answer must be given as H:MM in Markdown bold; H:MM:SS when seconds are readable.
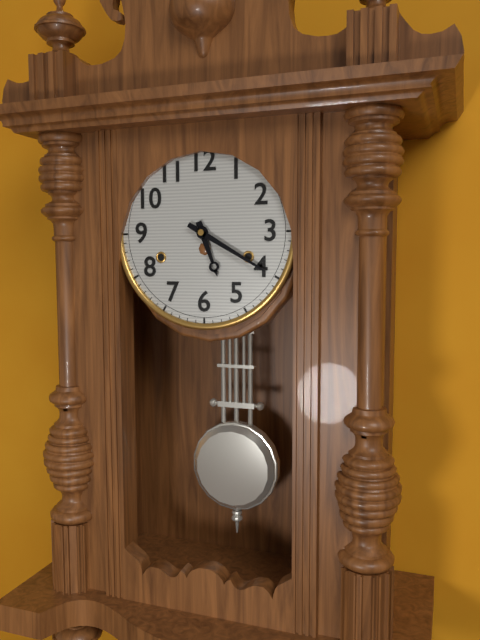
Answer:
**5:20**
